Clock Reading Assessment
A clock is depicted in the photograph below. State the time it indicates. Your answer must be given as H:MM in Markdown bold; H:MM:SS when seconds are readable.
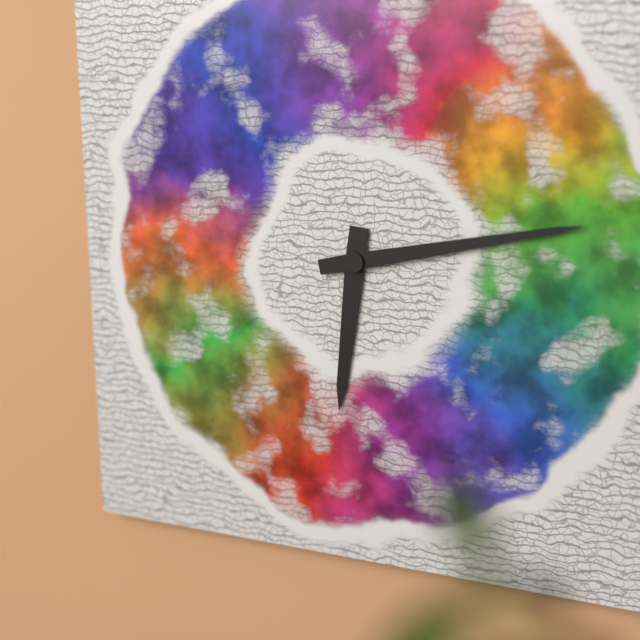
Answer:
**6:13**
